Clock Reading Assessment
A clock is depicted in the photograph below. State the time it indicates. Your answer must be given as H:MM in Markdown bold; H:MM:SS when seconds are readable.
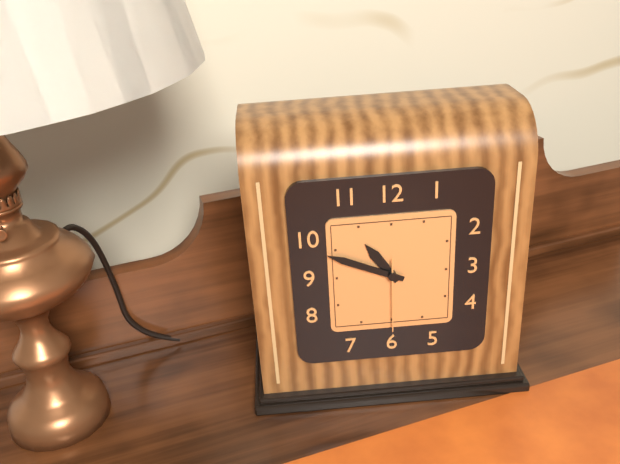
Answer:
**10:49:30**
